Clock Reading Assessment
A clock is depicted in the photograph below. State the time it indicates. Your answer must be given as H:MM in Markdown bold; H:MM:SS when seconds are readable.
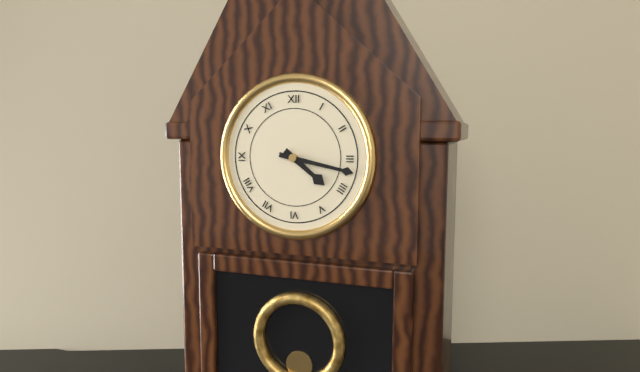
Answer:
**4:17**
